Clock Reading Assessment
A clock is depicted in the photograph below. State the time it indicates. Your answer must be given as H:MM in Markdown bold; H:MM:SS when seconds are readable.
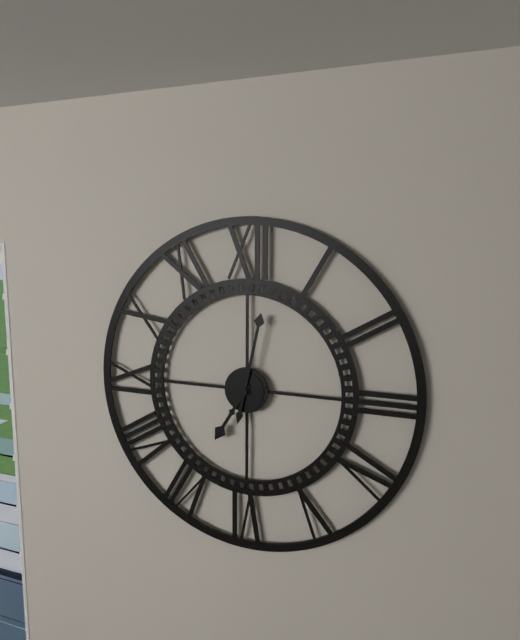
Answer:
**7:02**
